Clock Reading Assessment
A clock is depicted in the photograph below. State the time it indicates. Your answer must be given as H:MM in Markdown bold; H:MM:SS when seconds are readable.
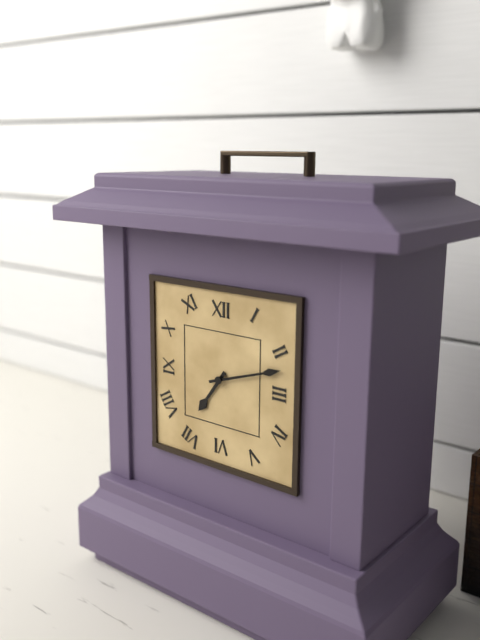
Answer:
**7:12**
